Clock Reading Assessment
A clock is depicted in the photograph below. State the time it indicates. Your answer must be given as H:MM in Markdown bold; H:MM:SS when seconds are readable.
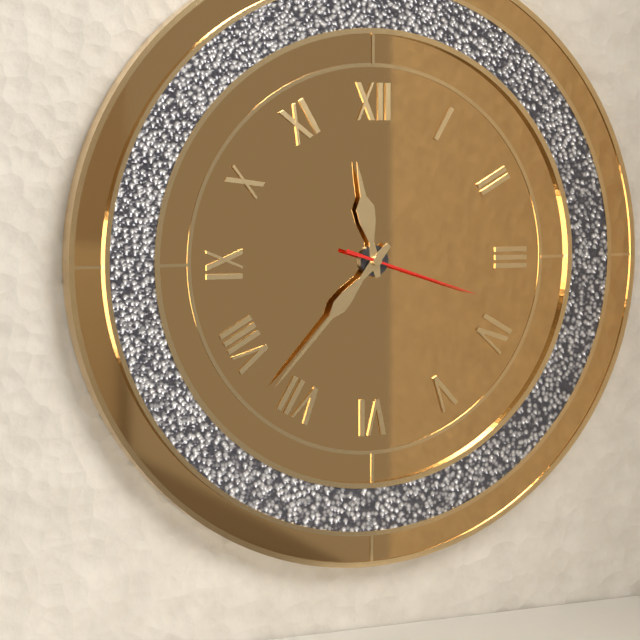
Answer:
**11:37:18**
